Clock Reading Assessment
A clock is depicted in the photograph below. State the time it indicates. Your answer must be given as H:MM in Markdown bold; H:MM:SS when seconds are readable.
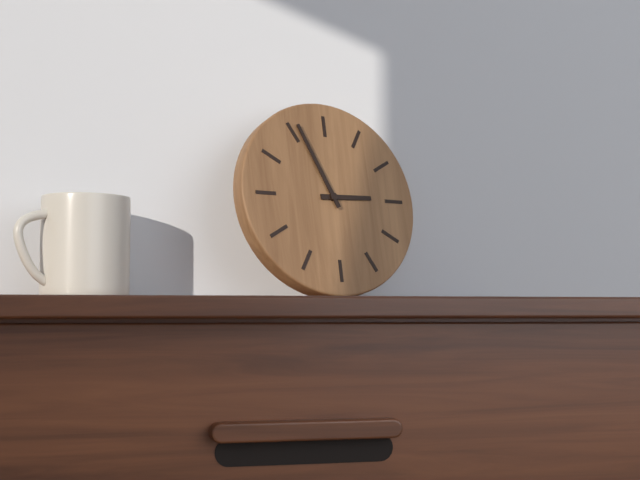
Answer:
**2:56**
